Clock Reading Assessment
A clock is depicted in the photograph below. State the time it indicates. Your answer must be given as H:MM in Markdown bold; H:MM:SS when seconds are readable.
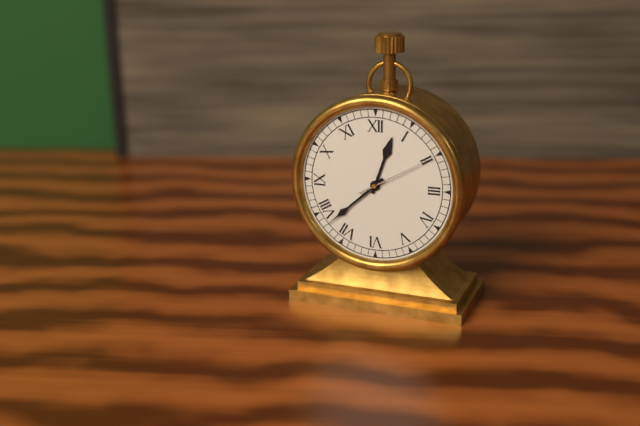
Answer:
**12:38:10**
